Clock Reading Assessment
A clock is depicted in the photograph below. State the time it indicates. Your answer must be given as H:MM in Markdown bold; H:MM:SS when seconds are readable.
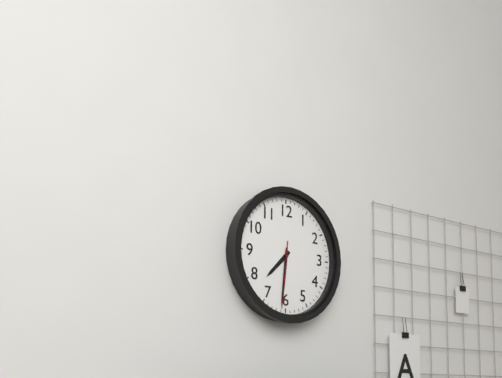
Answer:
**7:31:31**
